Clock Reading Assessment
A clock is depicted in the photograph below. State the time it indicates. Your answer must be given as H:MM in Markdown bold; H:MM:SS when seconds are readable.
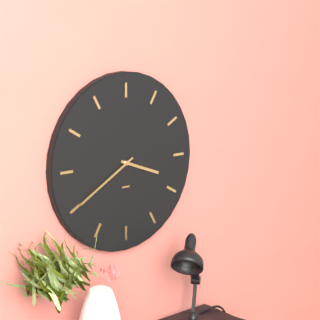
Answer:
**3:40**
